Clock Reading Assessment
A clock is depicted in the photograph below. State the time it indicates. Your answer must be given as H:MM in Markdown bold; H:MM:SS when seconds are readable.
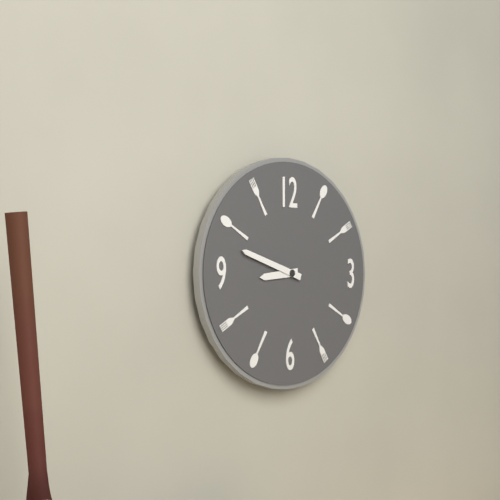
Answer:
**8:48**
